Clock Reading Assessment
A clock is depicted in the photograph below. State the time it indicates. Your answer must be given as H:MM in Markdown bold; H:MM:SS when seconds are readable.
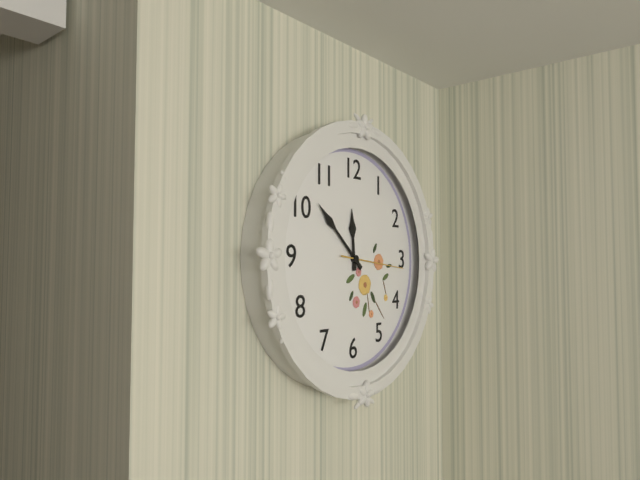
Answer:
**11:52:16**
